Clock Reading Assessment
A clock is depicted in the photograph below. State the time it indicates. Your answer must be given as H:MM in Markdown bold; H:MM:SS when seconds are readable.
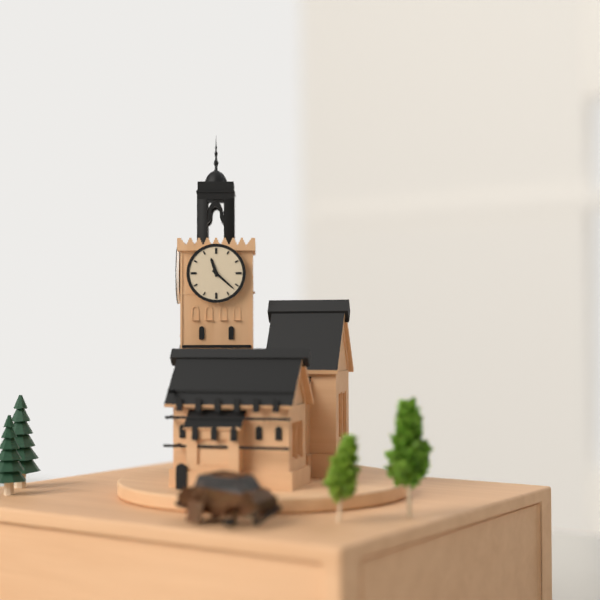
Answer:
**11:22**
